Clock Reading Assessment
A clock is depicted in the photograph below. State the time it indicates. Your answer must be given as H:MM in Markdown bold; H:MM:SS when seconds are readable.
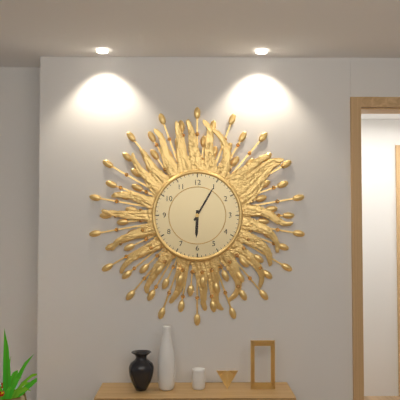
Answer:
**6:05**
